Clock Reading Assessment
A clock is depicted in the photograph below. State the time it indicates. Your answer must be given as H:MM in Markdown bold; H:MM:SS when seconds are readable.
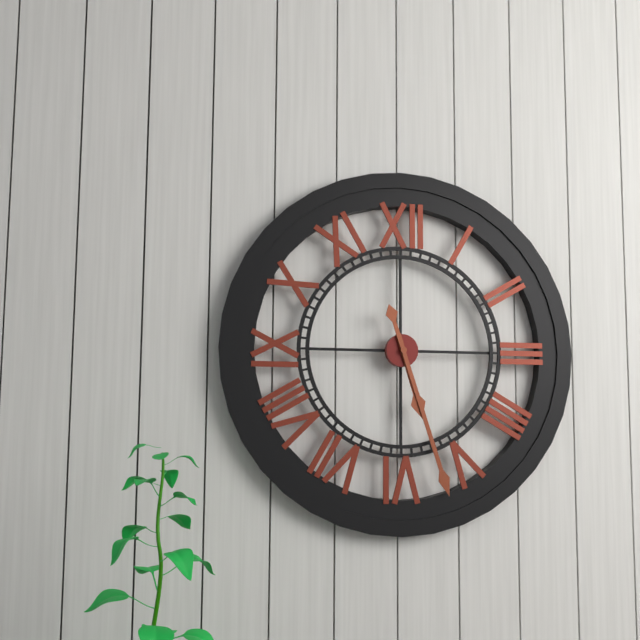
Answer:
**5:27**
